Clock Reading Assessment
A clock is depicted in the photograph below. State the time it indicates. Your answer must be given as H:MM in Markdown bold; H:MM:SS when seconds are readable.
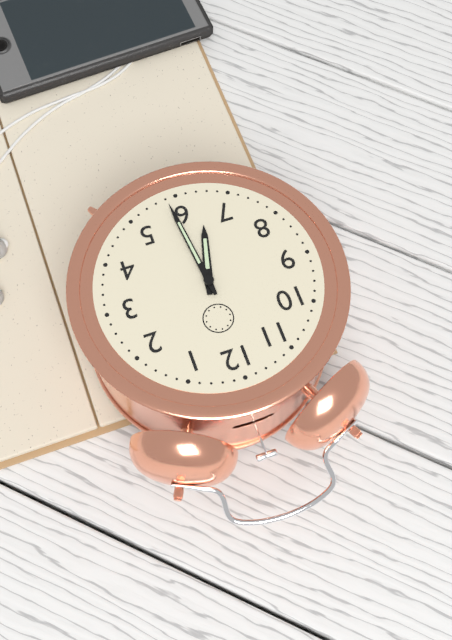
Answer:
**6:29**
